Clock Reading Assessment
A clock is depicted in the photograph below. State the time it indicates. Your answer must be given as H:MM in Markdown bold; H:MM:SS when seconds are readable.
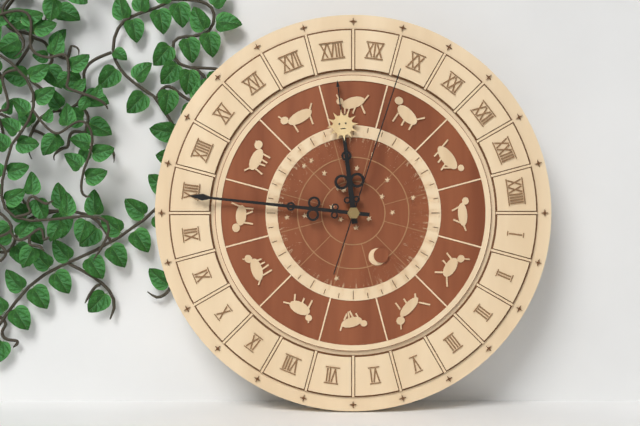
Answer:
**11:46:03**
